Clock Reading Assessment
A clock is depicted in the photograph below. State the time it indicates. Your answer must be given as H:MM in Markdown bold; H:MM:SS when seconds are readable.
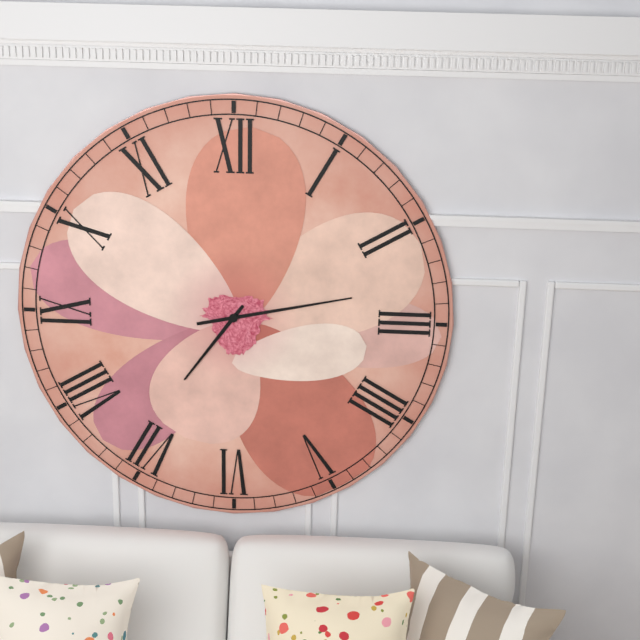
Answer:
**7:13**
